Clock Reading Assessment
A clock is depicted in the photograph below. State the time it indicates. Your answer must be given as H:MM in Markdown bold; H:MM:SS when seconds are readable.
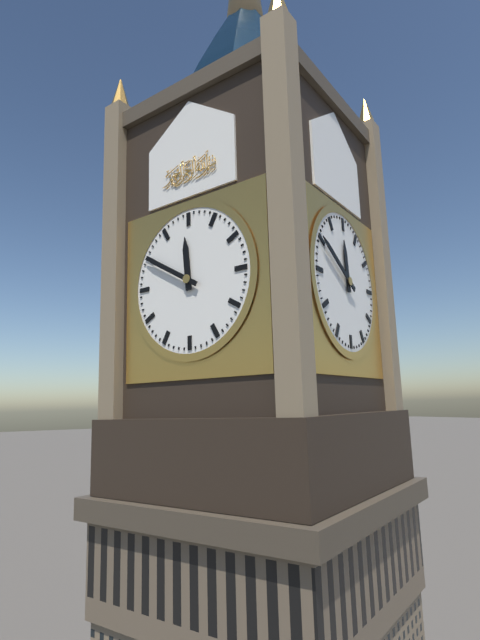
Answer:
**11:50**
